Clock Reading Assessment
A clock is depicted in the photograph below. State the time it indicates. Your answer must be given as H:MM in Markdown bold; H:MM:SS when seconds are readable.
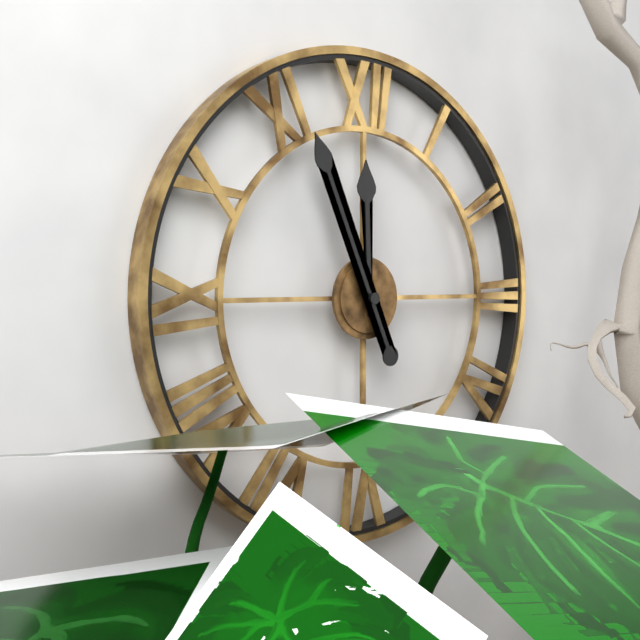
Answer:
**11:56**
